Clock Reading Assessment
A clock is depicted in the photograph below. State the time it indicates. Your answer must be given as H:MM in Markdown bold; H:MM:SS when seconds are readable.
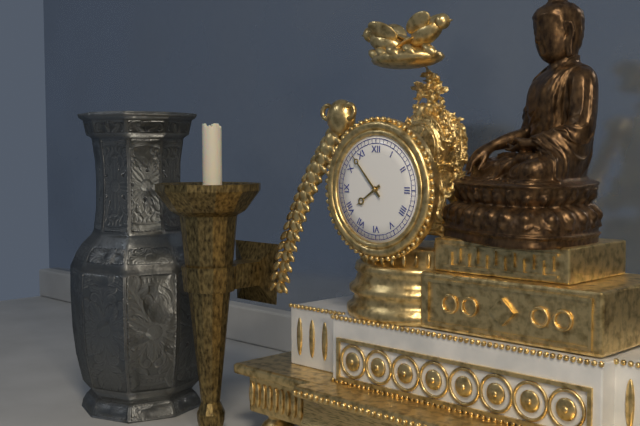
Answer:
**7:53**
